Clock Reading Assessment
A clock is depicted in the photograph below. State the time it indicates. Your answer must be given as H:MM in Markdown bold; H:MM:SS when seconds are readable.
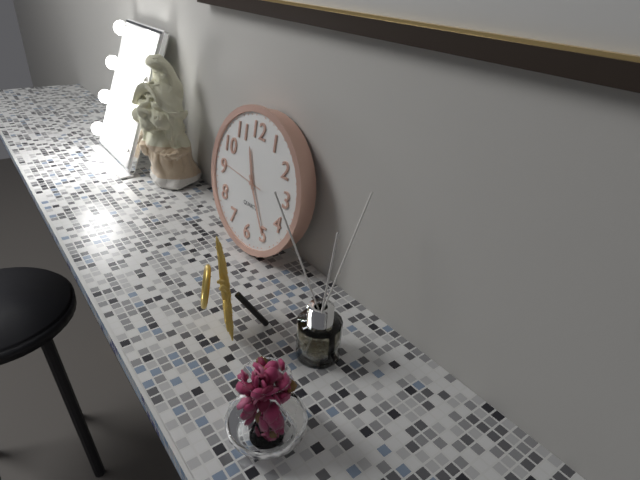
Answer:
**11:25**
